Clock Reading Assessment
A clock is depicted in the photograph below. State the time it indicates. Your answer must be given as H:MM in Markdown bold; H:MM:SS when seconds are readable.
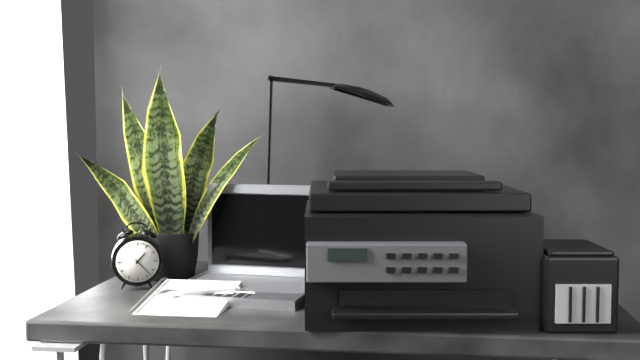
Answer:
**1:23**
